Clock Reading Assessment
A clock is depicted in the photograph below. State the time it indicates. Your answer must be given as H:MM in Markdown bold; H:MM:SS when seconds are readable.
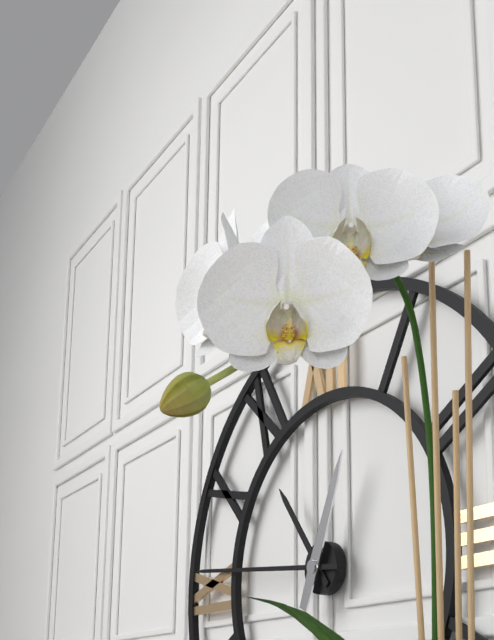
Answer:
**10:46:04**
